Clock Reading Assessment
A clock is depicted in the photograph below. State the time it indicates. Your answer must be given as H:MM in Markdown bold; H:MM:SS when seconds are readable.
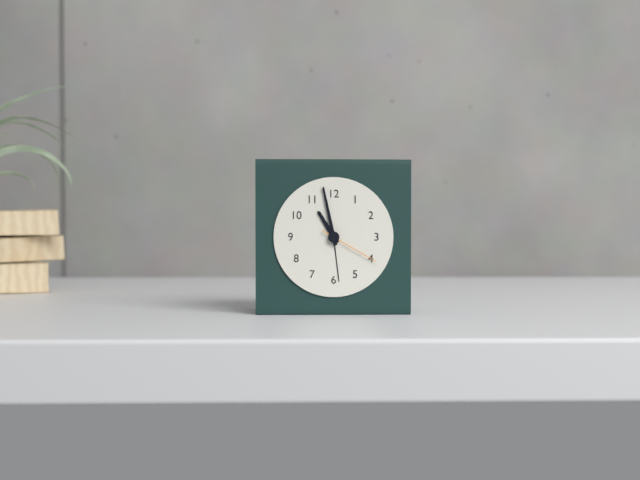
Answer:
**10:58:20**
